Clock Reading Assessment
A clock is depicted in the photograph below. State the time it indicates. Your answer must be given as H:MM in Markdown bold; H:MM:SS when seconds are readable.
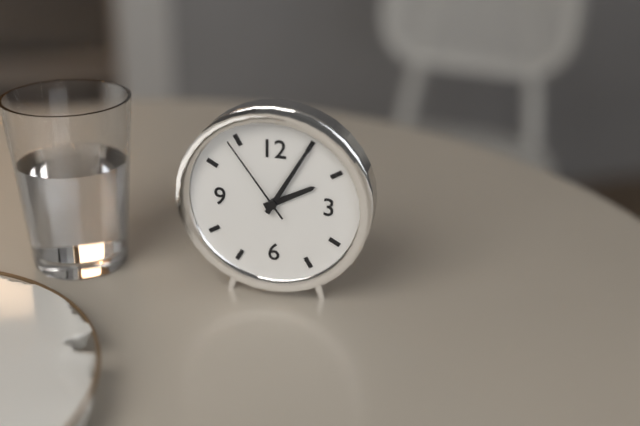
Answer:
**2:05:54**
